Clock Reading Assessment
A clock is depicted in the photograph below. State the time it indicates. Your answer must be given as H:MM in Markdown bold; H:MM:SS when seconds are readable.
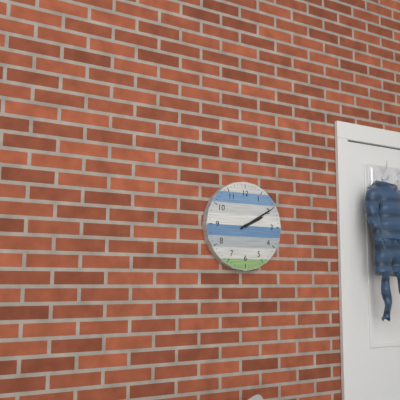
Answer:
**2:10**
